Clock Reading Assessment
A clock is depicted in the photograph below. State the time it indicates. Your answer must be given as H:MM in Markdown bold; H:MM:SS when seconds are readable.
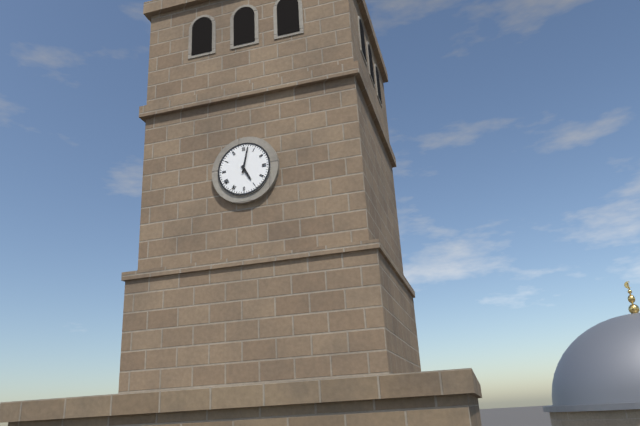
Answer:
**5:02**
